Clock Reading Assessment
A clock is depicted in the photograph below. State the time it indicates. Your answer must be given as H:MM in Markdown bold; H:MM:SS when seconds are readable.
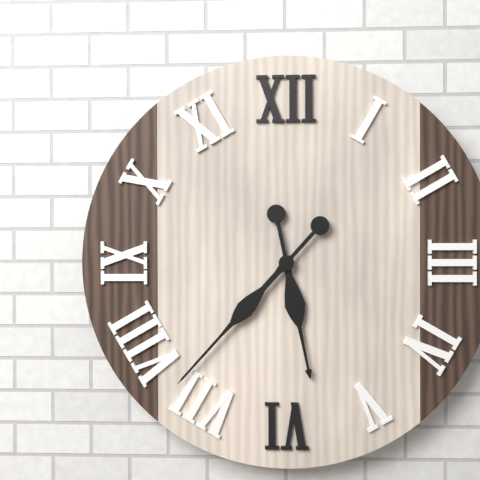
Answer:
**5:37**
